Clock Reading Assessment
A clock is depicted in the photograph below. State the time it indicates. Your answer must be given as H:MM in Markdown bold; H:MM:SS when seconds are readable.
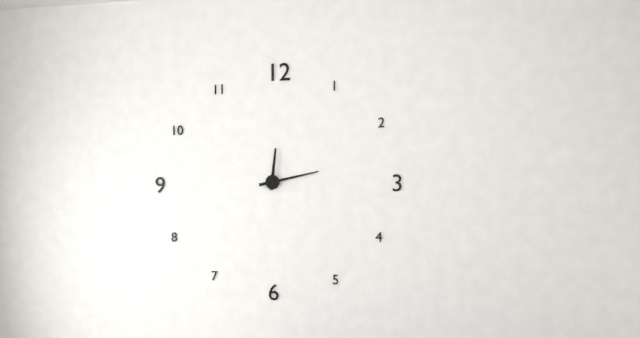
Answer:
**12:13**
